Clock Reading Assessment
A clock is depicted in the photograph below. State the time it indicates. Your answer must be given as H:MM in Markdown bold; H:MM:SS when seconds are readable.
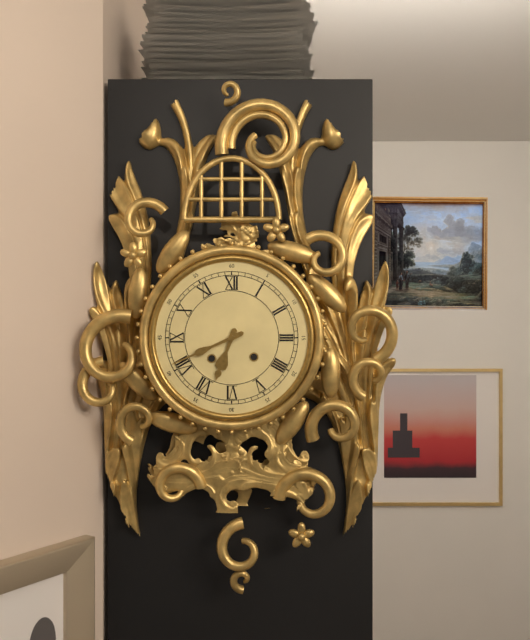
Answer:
**6:41**
